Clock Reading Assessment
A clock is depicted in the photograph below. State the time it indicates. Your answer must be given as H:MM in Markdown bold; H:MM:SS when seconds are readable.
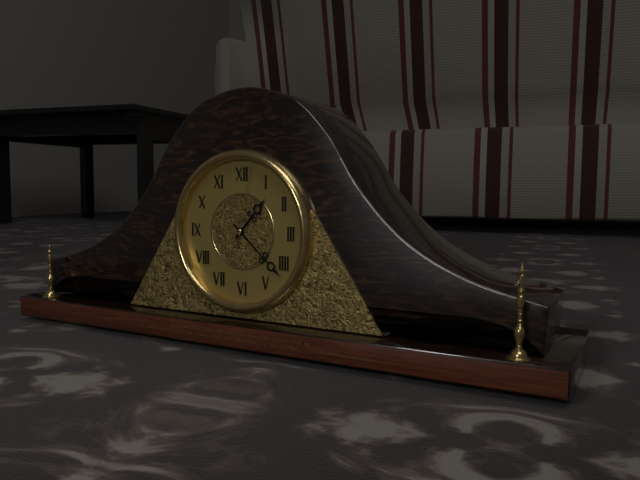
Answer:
**1:22:02**
